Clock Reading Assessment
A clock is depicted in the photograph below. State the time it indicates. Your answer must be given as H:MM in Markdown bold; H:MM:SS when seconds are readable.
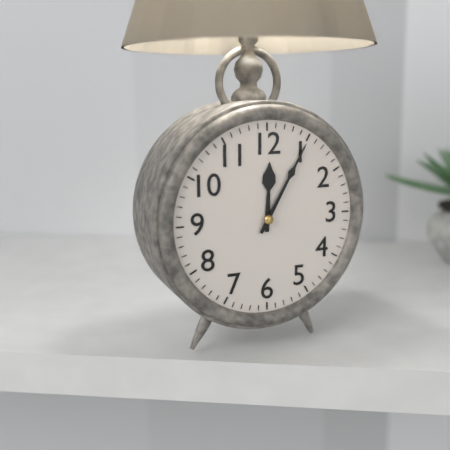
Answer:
**12:05**
